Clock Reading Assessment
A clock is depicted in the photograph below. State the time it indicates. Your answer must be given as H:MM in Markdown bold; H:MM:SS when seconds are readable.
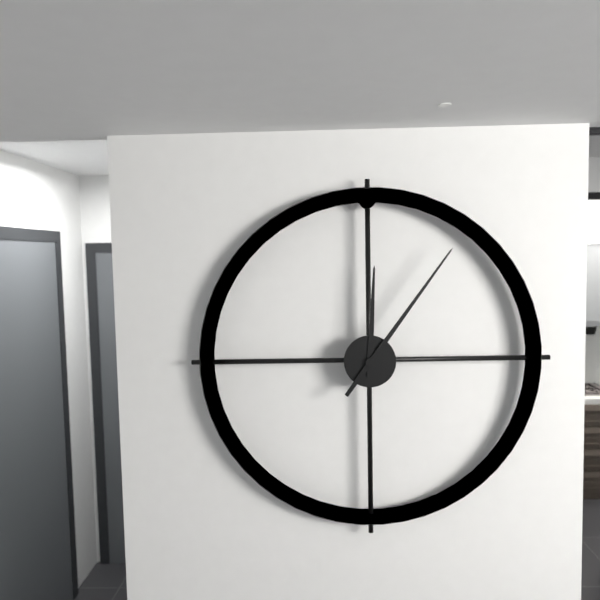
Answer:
**12:06**
